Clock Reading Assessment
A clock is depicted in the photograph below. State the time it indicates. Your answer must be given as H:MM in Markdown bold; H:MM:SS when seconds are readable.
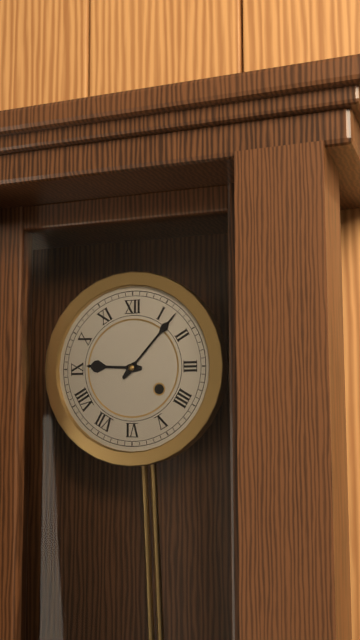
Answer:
**9:07**
